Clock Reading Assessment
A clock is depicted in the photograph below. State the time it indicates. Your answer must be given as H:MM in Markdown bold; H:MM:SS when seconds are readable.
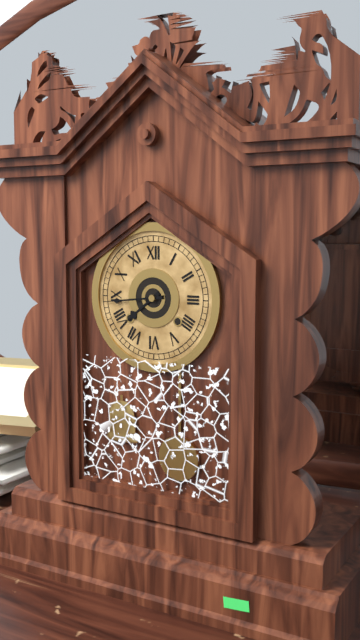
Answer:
**7:44**
